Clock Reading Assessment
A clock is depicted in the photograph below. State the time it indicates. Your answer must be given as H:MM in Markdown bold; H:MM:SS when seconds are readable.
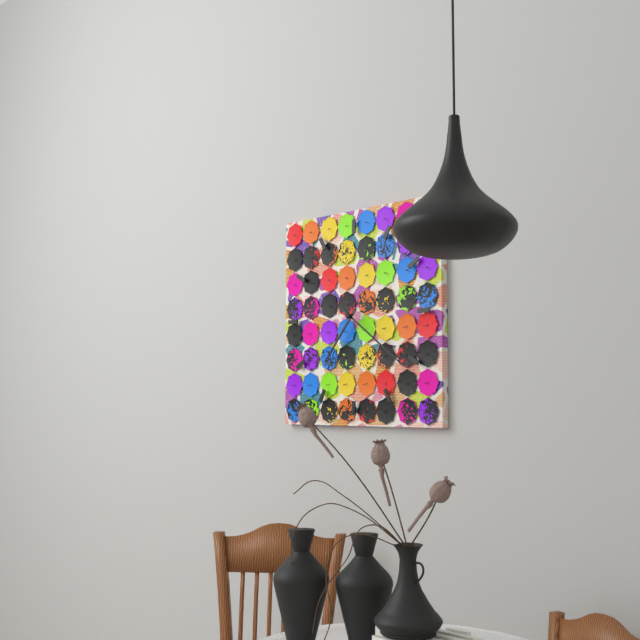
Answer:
**7:21**
